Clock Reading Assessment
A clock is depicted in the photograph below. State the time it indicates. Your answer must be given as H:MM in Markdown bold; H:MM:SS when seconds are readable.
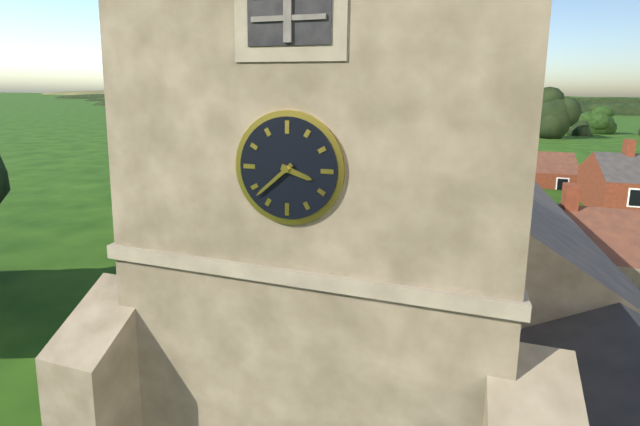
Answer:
**3:38**
